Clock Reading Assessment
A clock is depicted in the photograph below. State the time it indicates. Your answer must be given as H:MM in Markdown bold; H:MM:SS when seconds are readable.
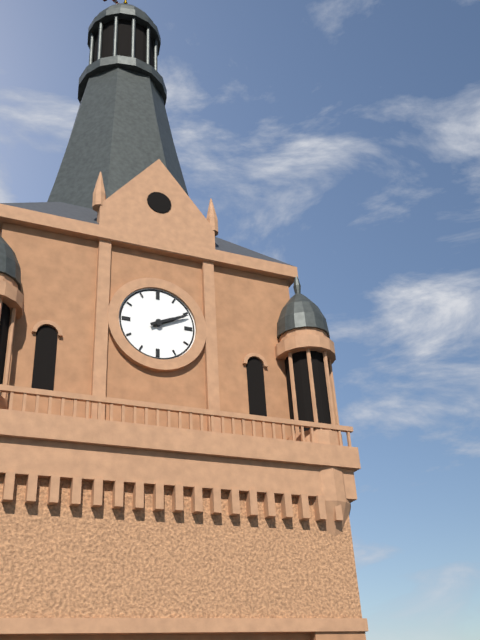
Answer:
**2:11**
